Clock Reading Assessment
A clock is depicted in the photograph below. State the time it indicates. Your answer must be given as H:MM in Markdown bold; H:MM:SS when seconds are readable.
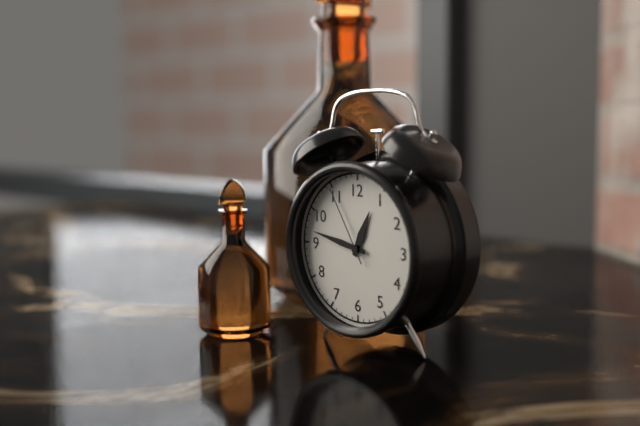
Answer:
**12:47:55**
